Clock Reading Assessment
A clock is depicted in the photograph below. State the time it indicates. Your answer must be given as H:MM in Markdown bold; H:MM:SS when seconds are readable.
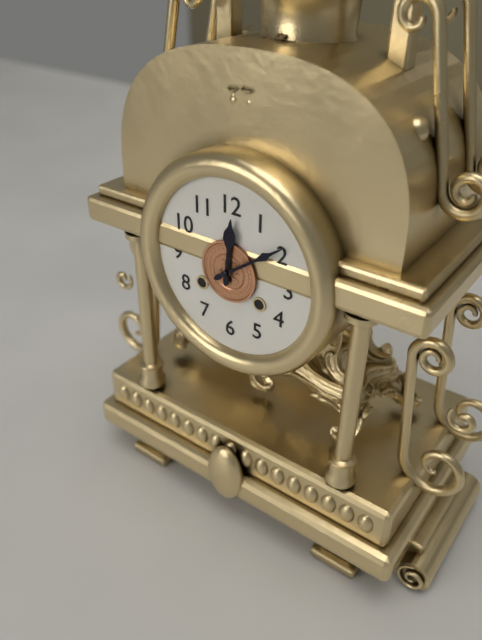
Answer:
**12:09**
